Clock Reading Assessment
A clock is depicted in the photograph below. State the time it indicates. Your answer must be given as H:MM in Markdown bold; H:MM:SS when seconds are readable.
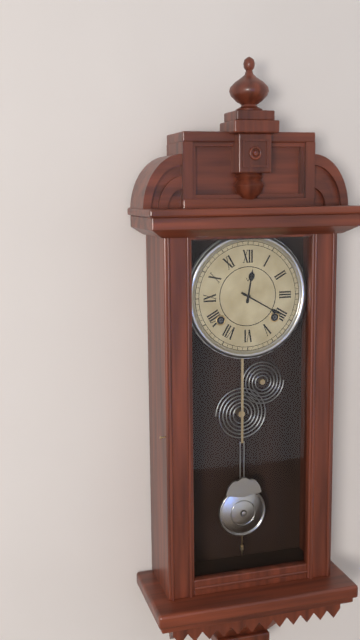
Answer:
**12:20**
